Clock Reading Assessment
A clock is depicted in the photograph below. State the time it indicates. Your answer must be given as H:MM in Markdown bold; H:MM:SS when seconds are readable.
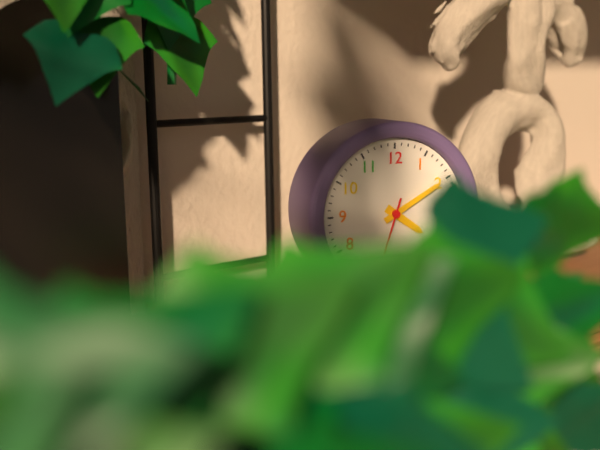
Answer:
**4:10**
